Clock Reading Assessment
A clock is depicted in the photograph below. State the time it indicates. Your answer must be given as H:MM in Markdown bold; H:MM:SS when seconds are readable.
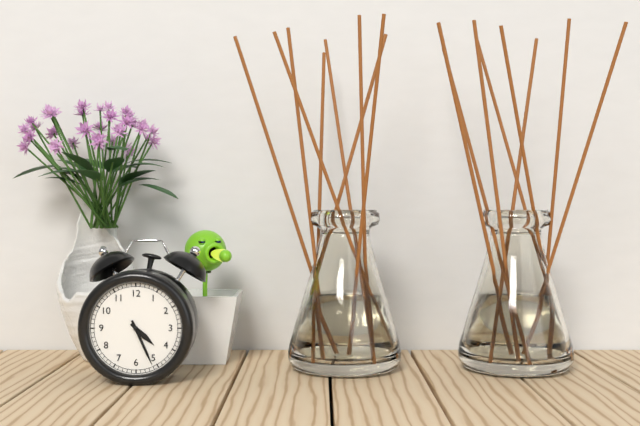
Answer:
**4:26**
